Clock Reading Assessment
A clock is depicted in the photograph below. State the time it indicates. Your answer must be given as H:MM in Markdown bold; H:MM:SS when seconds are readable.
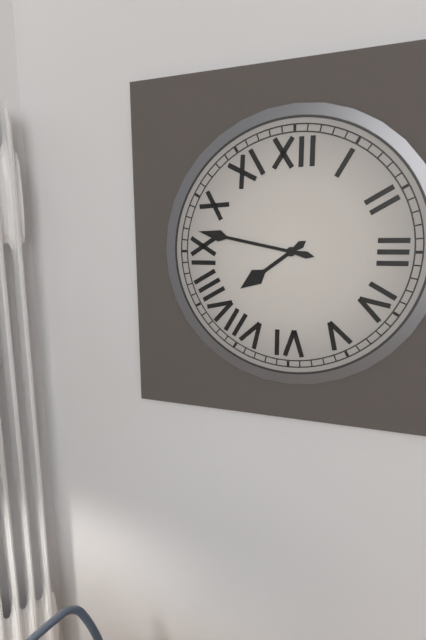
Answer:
**7:47**
